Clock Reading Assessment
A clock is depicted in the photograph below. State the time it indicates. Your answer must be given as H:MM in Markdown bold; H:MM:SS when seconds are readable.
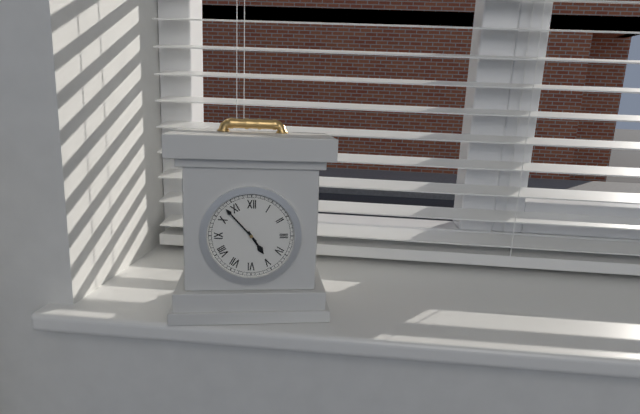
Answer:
**4:53**
